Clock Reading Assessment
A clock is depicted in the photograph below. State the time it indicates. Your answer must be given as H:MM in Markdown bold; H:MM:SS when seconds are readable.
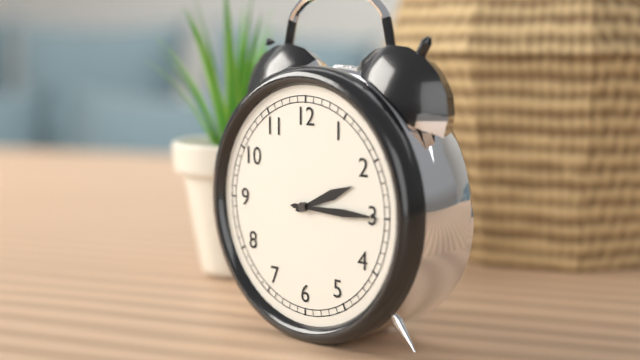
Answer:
**2:15**
